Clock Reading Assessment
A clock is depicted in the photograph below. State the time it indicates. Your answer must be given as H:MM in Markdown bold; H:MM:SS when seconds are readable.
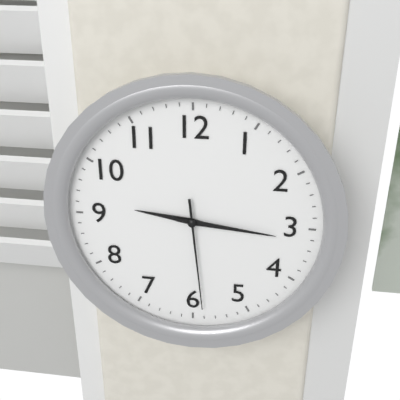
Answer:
**9:16:29**
